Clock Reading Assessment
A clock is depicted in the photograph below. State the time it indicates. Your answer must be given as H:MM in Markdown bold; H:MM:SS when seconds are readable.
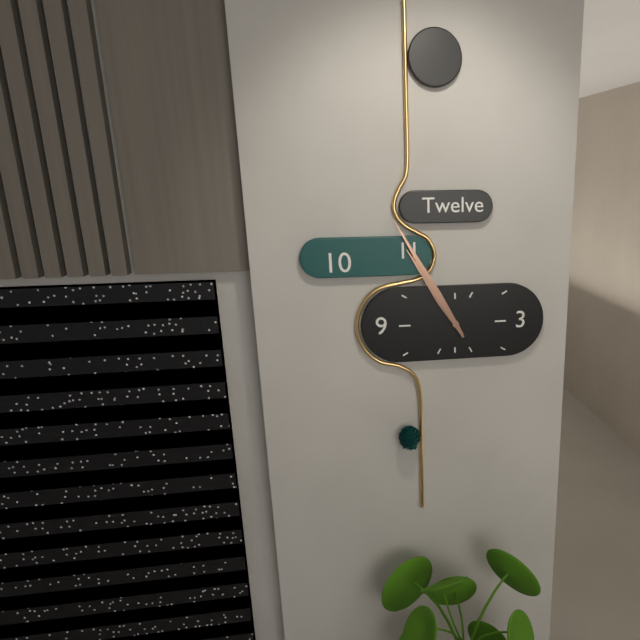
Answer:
**10:55**
